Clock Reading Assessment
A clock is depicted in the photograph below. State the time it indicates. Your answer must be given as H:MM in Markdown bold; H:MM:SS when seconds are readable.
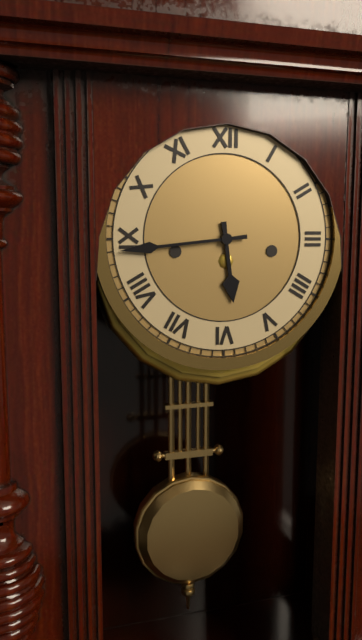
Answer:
**5:44**
